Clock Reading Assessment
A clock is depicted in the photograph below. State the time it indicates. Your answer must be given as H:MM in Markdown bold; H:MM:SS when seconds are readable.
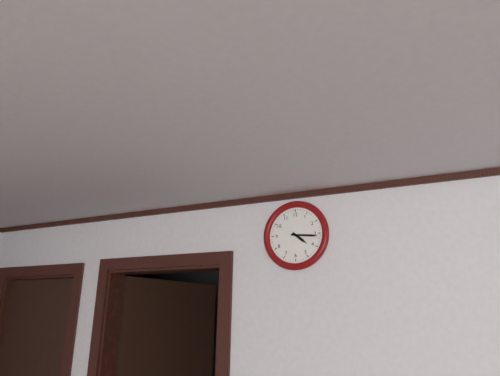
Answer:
**4:16**
